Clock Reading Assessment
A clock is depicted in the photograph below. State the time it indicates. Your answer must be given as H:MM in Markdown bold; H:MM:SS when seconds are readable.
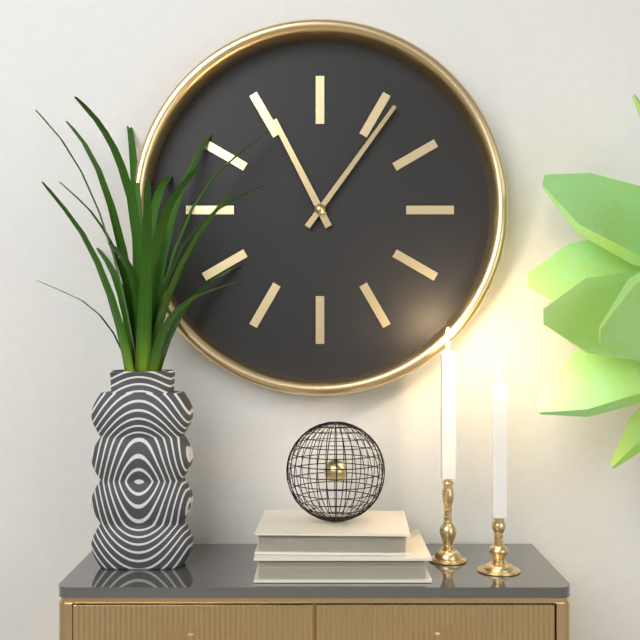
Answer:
**11:06**
